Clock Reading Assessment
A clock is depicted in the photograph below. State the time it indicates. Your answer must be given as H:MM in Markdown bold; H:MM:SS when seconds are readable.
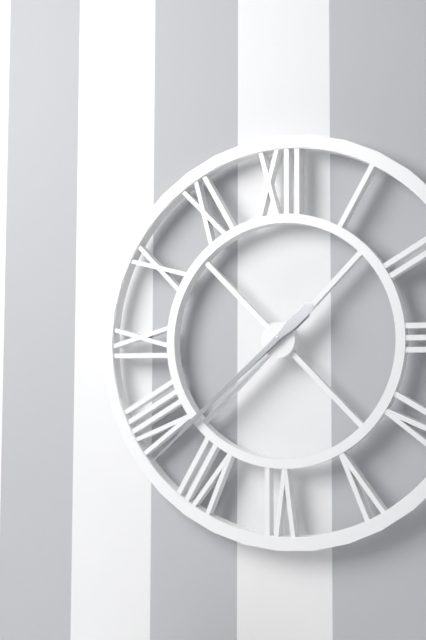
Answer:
**7:38**
